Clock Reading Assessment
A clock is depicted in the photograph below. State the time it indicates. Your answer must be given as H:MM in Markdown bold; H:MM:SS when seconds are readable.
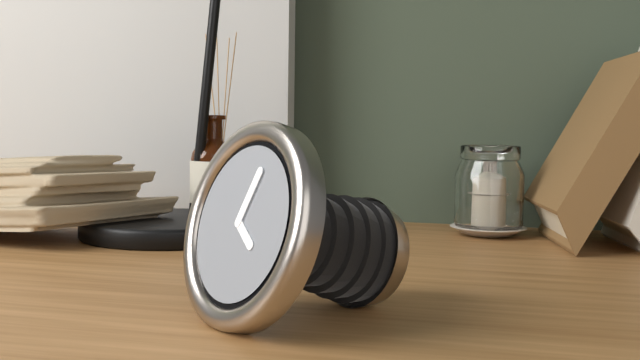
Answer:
**4:03**
